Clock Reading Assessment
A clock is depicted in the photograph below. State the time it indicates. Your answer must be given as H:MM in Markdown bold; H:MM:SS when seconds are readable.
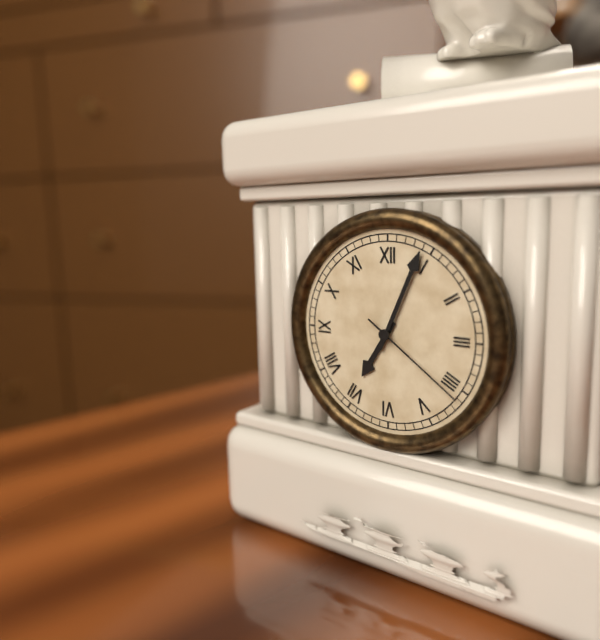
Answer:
**7:04:21**
